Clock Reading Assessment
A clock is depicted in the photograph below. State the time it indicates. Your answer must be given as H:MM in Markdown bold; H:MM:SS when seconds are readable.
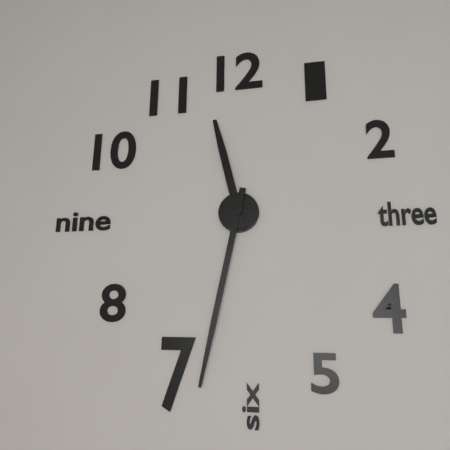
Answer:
**11:32**
